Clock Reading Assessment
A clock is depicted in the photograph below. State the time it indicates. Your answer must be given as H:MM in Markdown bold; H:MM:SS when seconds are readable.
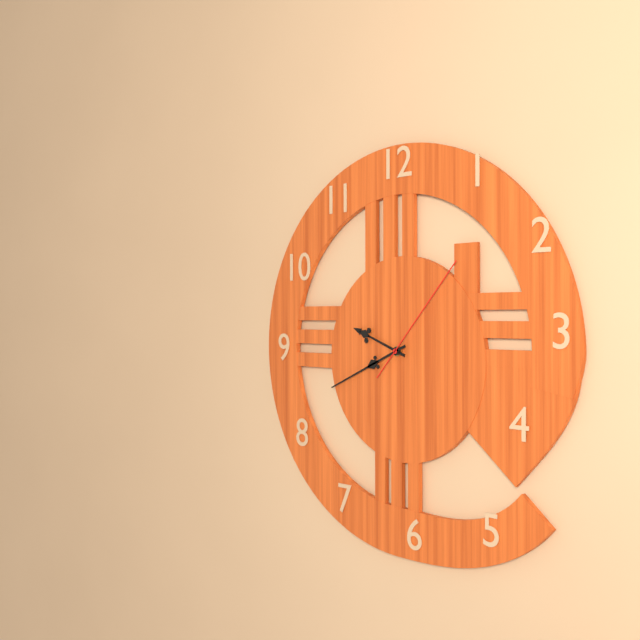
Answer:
**9:41:07**
